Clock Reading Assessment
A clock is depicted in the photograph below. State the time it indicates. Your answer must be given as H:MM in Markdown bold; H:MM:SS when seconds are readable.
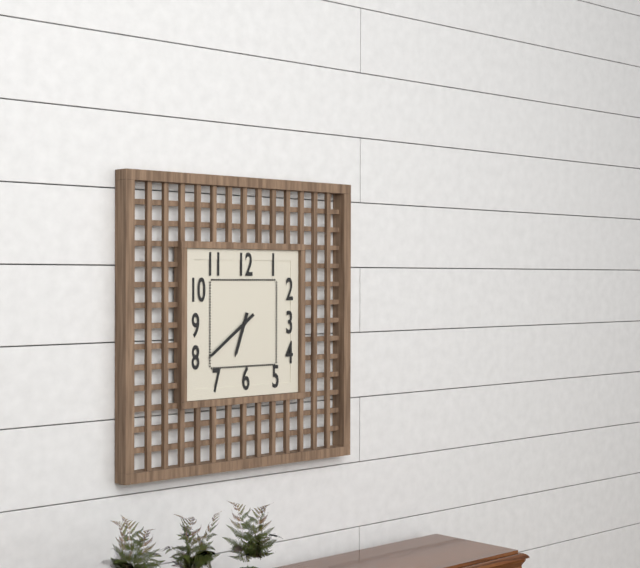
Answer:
**6:39**
